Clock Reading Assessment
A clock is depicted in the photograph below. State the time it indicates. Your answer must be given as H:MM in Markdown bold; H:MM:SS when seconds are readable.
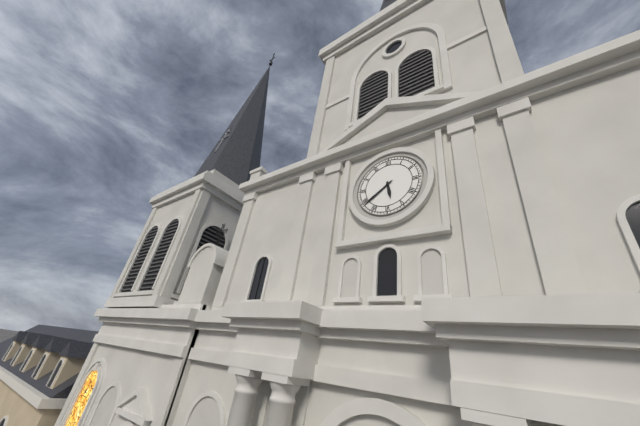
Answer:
**5:39**
